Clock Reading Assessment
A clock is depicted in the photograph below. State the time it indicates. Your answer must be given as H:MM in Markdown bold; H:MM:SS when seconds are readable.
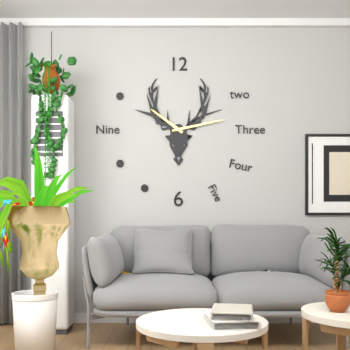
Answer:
**10:13**
